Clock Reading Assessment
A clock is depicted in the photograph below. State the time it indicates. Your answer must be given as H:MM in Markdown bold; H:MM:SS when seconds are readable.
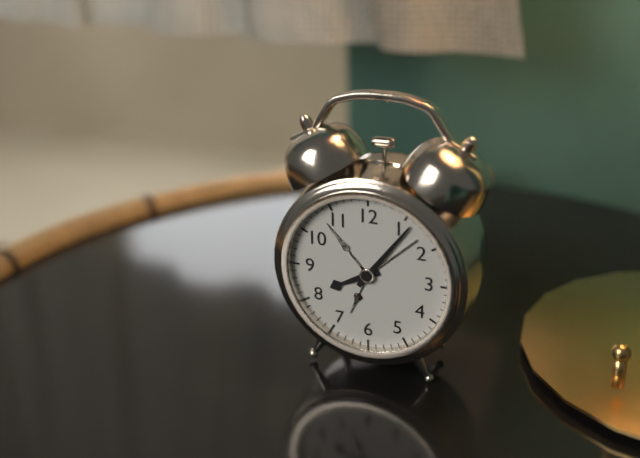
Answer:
**8:06**
